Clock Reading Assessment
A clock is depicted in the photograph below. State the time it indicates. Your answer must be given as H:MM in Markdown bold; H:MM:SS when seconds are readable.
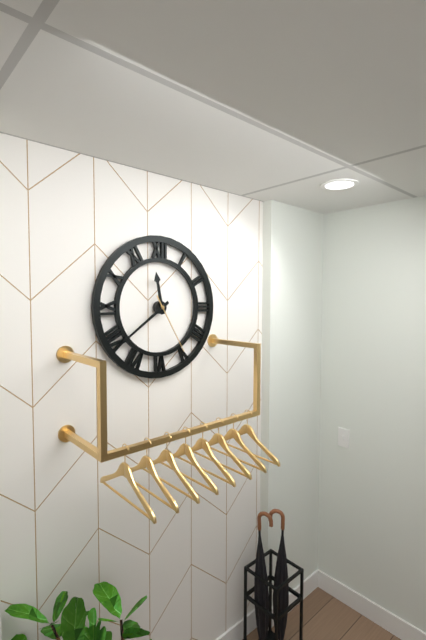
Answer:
**11:39:25**
